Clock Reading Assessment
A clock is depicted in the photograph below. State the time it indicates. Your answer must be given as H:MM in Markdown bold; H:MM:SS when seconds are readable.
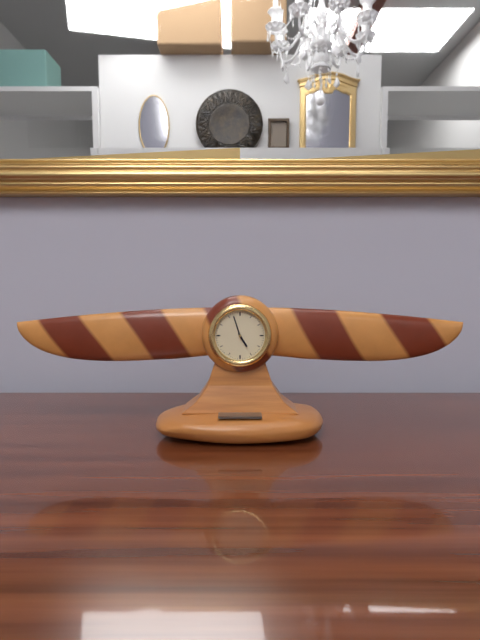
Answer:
**4:57**
